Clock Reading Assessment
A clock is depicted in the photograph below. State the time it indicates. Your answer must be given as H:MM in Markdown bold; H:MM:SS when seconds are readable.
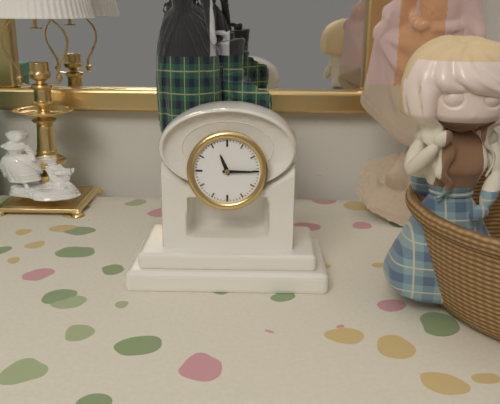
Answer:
**11:15**
